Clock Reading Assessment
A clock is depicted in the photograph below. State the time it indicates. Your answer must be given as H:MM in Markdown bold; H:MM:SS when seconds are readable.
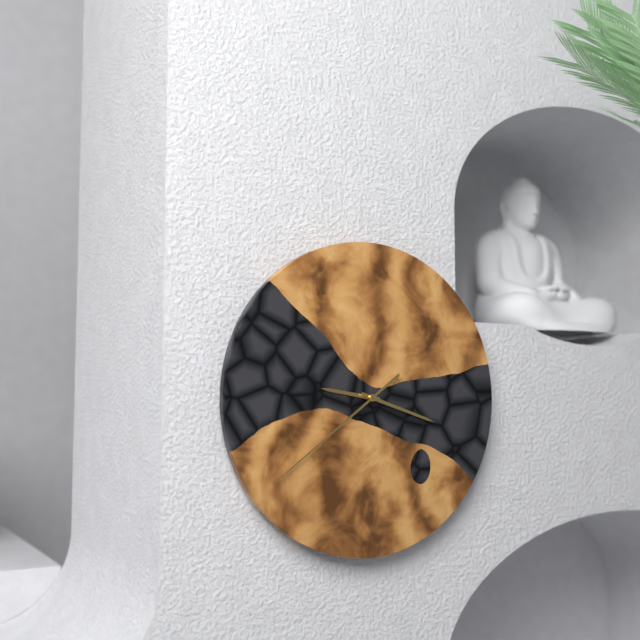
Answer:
**9:18:39**
